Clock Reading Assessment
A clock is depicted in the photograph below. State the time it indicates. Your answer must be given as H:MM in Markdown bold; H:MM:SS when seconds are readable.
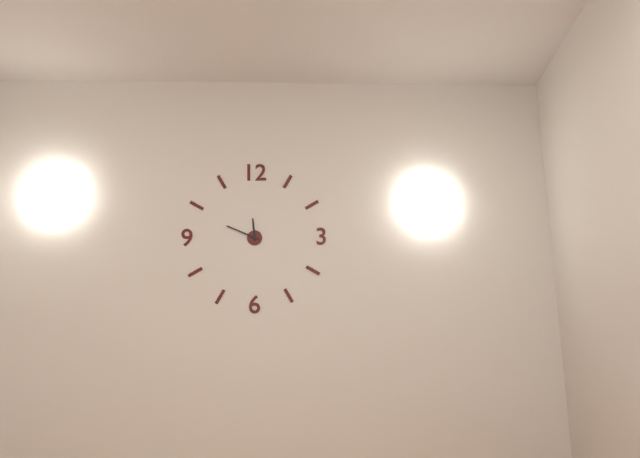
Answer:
**11:49**
